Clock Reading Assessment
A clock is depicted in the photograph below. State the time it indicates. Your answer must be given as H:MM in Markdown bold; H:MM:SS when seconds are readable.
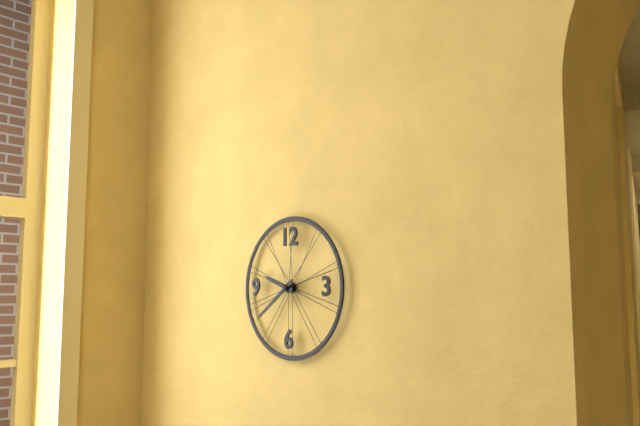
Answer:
**9:39**
